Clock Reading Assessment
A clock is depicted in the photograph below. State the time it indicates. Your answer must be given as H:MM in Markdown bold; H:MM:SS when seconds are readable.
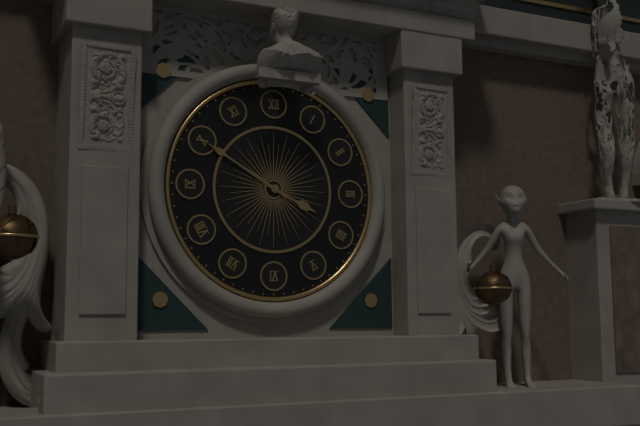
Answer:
**3:50**
